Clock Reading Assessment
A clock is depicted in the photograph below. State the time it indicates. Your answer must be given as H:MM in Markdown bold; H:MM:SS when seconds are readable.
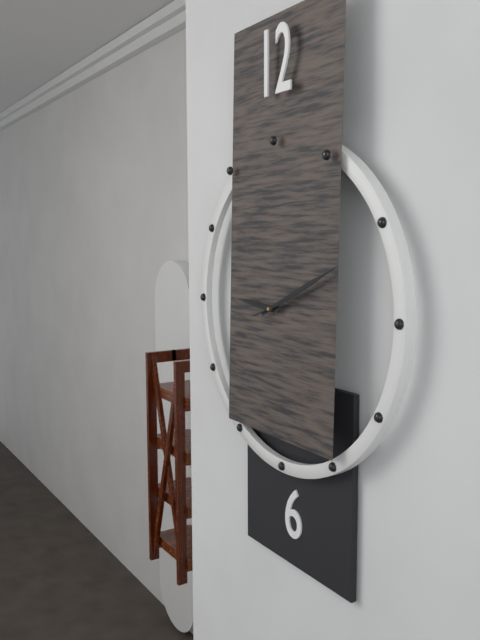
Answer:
**9:11:12**
